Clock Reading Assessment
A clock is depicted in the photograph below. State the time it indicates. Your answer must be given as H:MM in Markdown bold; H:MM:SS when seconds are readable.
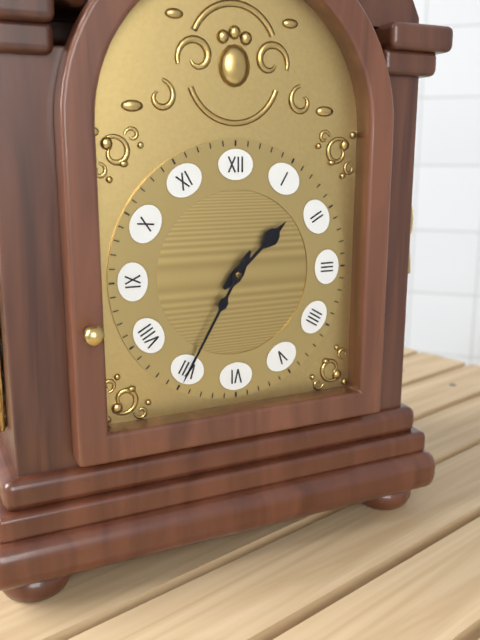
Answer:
**1:35**
